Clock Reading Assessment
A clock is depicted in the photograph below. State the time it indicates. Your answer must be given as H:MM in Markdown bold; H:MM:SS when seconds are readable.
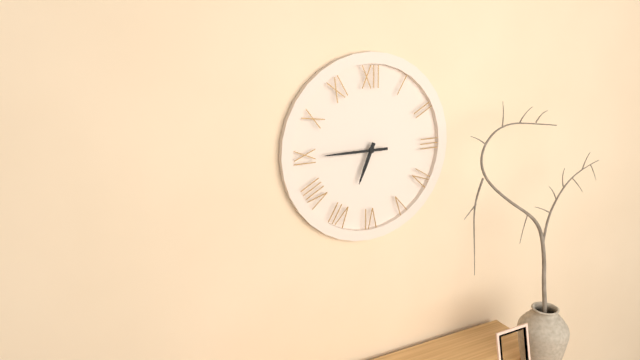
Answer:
**6:45**
